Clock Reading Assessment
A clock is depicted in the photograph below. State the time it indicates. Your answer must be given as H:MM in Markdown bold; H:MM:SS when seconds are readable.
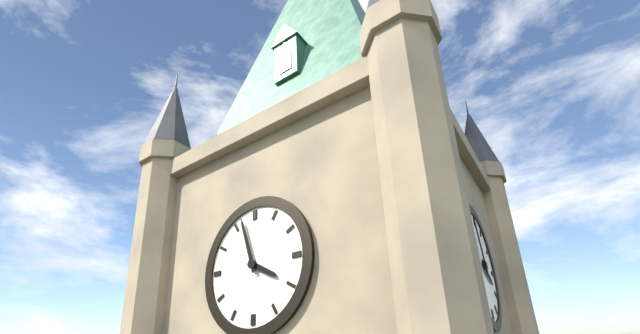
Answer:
**3:57**
